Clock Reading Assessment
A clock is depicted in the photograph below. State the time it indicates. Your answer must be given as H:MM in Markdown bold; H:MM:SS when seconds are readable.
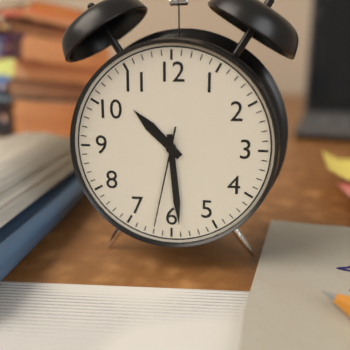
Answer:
**10:29:32**
